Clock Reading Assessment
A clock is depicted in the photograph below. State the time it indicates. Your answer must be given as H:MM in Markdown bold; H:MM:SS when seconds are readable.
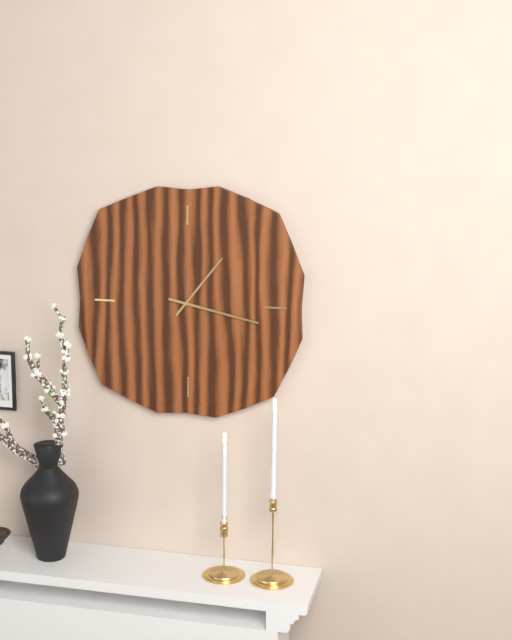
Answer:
**1:17**
